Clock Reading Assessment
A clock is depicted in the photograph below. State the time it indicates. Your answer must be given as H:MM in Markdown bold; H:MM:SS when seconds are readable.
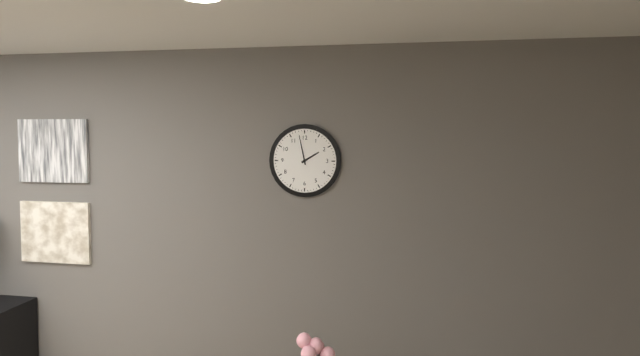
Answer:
**1:58**
